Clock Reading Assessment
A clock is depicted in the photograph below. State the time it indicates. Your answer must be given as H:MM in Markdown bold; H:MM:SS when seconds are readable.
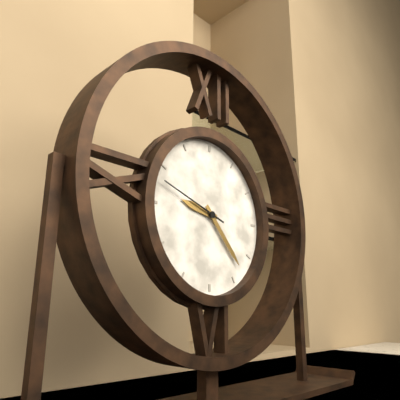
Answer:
**9:23:48**
